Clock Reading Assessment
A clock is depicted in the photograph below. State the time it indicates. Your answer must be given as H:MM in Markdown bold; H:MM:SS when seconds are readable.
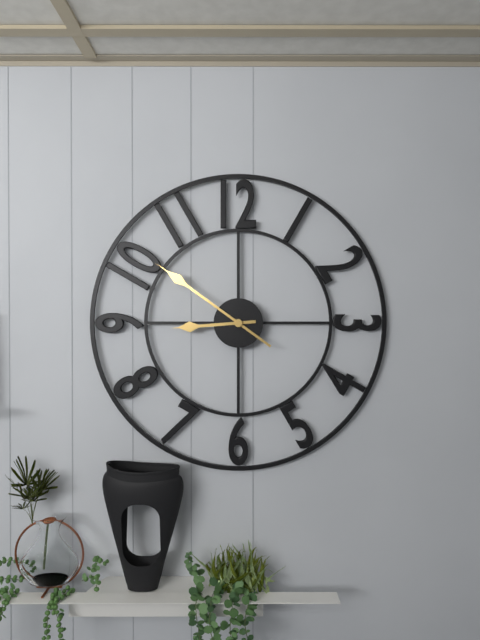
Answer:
**8:51**
